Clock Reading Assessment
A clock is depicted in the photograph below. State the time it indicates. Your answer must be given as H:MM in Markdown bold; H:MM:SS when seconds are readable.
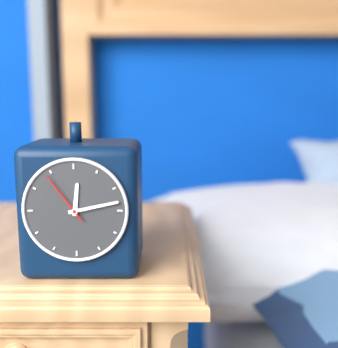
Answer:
**12:13:54**
